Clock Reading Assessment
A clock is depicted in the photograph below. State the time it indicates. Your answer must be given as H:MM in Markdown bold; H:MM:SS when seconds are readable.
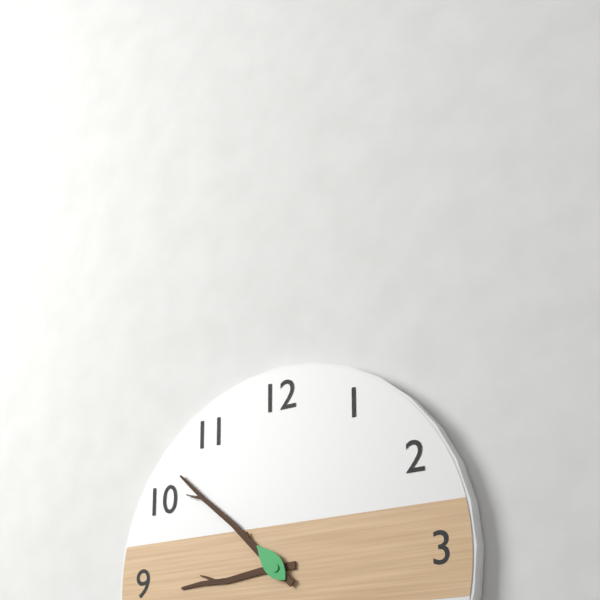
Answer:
**8:52**
